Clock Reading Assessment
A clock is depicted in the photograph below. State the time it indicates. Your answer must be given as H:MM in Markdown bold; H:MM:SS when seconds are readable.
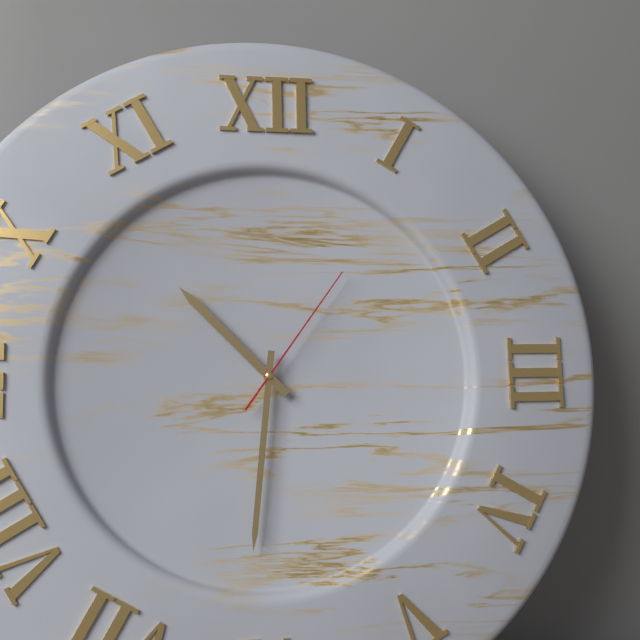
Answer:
**10:31:06**
